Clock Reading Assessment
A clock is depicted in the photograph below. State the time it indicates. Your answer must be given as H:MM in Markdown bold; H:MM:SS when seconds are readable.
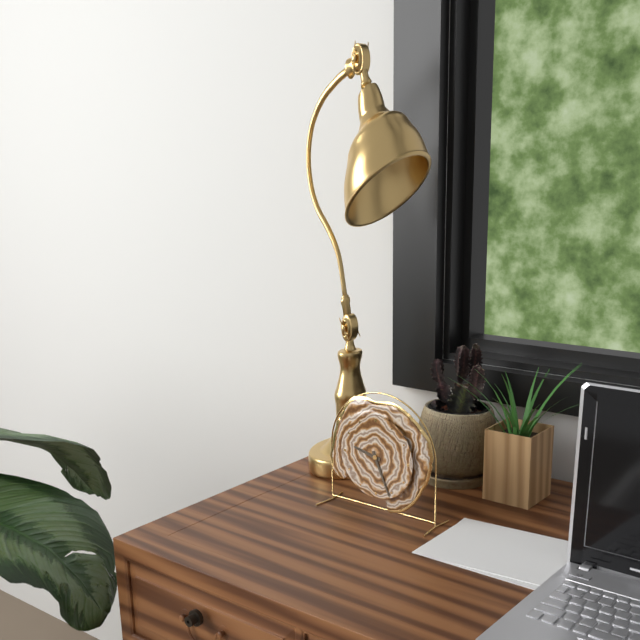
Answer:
**9:26**
